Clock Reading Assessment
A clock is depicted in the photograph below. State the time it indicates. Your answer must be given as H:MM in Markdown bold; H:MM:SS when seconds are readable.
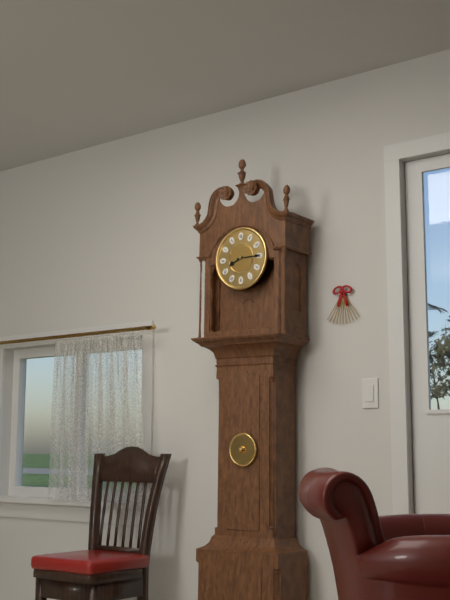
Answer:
**8:15**
